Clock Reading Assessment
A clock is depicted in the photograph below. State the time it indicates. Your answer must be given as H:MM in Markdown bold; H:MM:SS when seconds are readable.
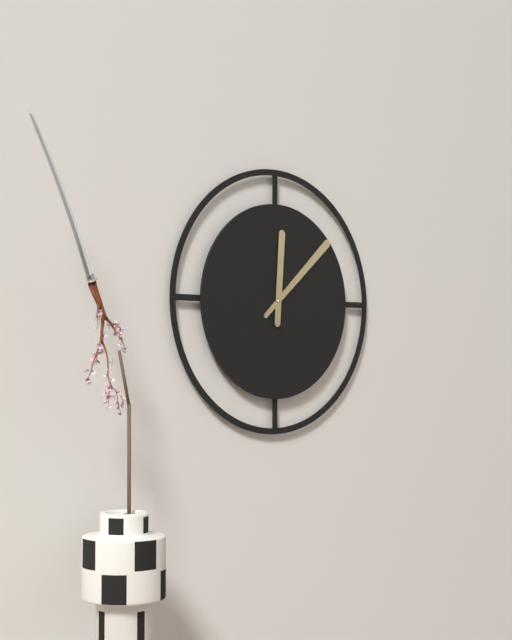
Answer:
**12:08**
